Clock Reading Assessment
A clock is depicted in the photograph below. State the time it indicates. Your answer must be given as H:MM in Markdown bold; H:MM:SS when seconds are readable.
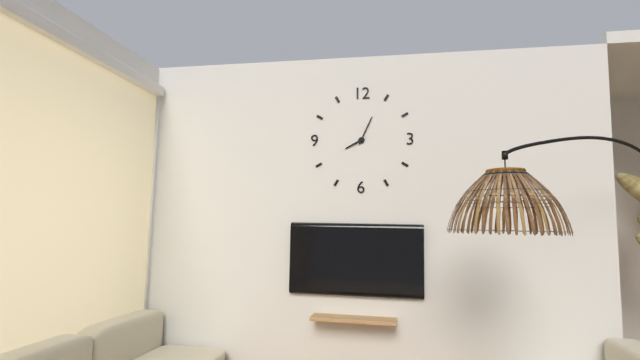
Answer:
**8:04**
